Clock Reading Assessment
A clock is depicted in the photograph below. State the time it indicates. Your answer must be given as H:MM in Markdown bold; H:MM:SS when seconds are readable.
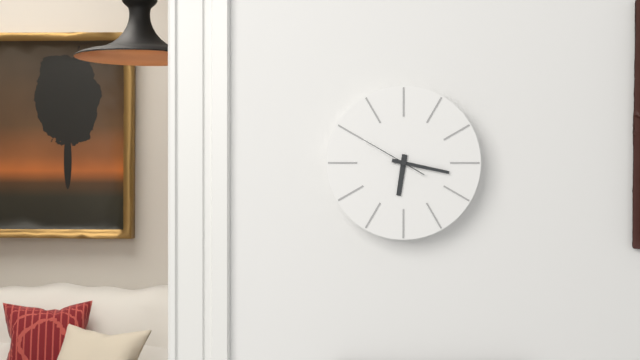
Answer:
**6:17:50**
